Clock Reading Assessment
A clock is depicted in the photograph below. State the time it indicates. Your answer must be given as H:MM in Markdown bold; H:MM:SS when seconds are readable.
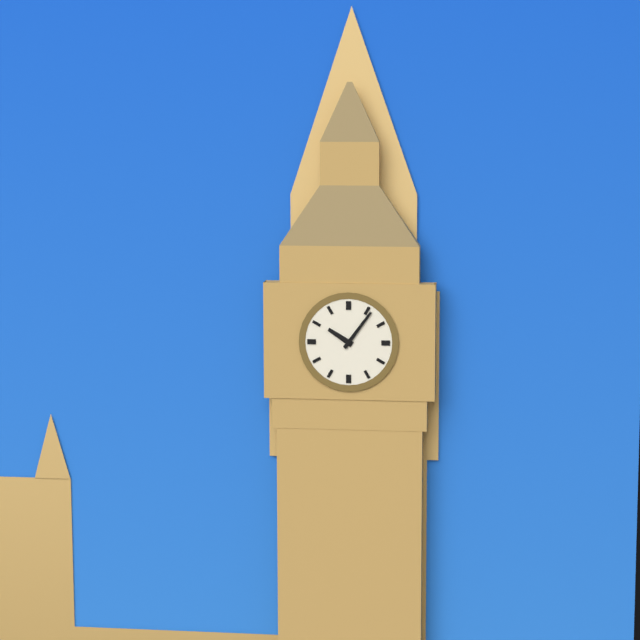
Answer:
**10:06**
